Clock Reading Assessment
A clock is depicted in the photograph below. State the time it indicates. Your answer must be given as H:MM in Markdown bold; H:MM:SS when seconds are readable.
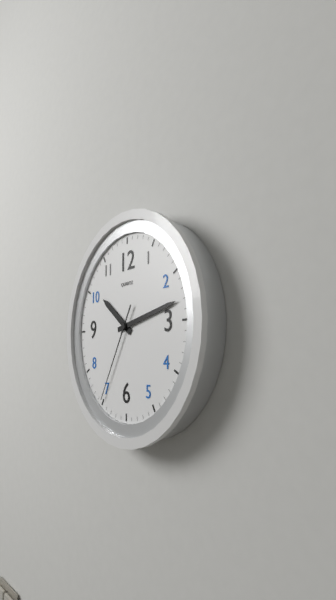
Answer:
**10:13:35**
